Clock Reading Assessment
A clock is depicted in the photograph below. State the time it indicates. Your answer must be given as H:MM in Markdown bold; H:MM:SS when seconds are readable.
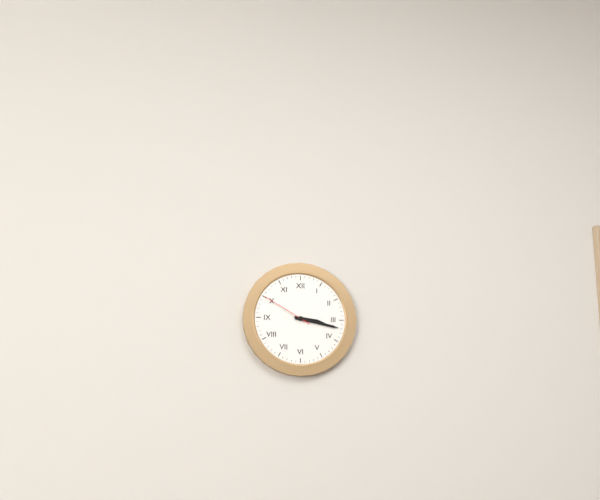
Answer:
**3:17:50**
